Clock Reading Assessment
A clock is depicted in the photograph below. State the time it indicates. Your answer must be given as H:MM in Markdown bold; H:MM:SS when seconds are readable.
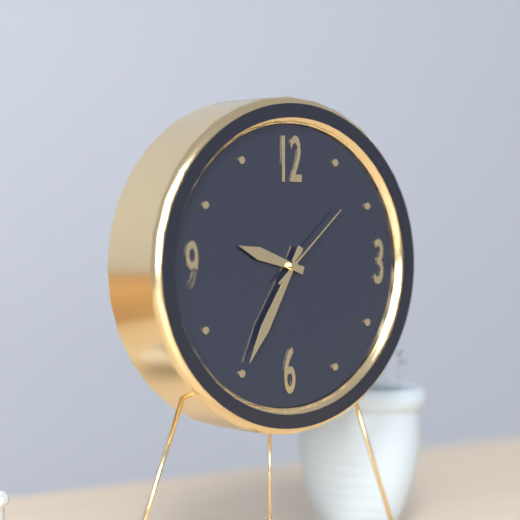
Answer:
**9:35:08**
